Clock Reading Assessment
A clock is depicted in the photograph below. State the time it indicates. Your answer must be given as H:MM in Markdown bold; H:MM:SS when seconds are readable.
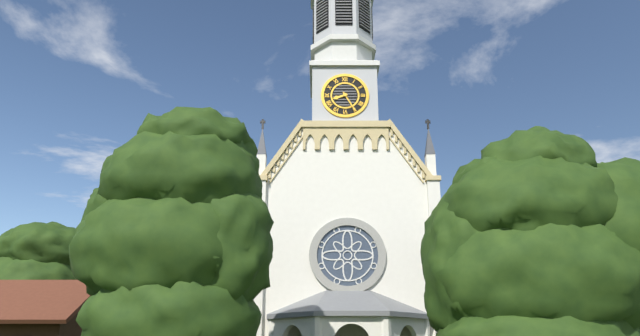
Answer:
**8:25**
